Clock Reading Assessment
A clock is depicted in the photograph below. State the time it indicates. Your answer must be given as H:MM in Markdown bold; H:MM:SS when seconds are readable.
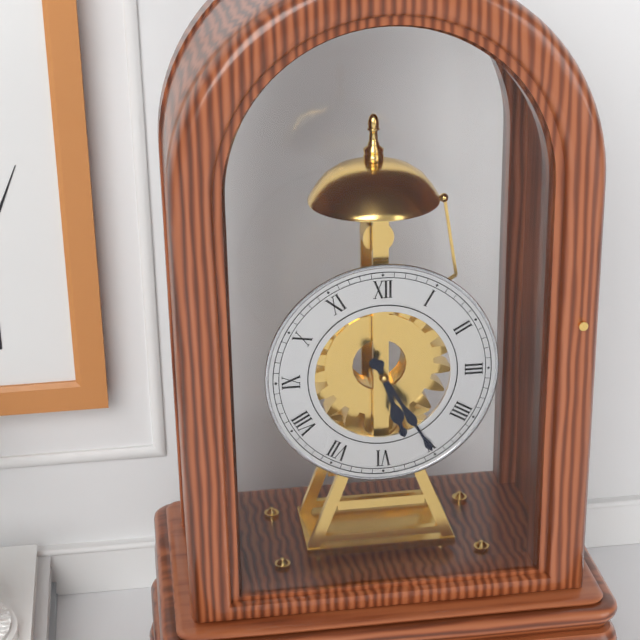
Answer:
**5:25**
